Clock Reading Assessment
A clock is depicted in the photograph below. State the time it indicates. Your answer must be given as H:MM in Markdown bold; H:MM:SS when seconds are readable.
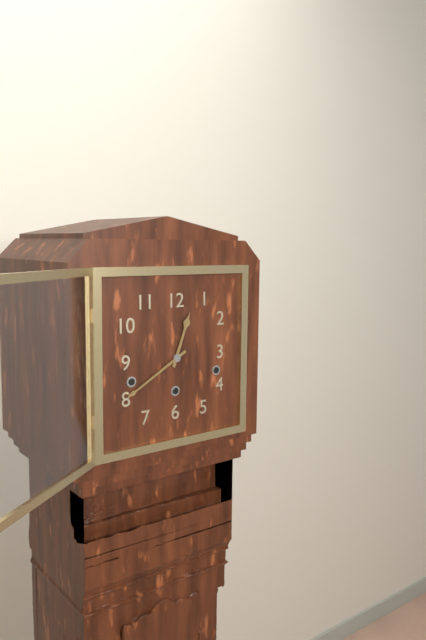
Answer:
**12:40**
